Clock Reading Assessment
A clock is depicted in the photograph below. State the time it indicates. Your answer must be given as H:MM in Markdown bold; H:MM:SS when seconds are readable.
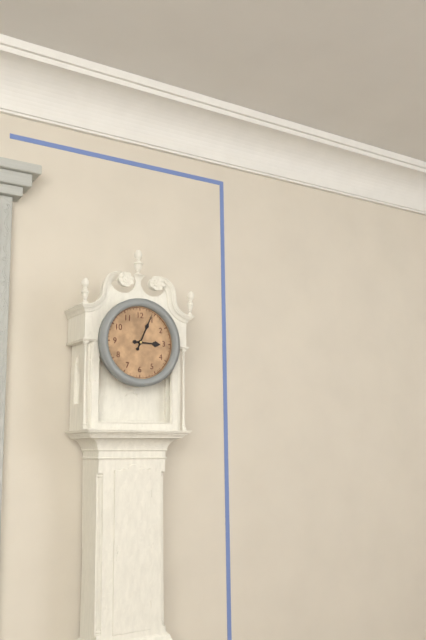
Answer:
**3:04**
